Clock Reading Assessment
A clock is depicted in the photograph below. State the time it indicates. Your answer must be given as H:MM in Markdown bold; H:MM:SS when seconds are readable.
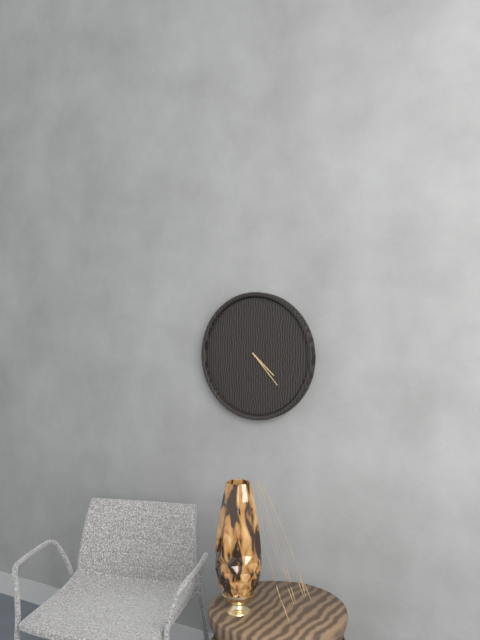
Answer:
**4:23**
